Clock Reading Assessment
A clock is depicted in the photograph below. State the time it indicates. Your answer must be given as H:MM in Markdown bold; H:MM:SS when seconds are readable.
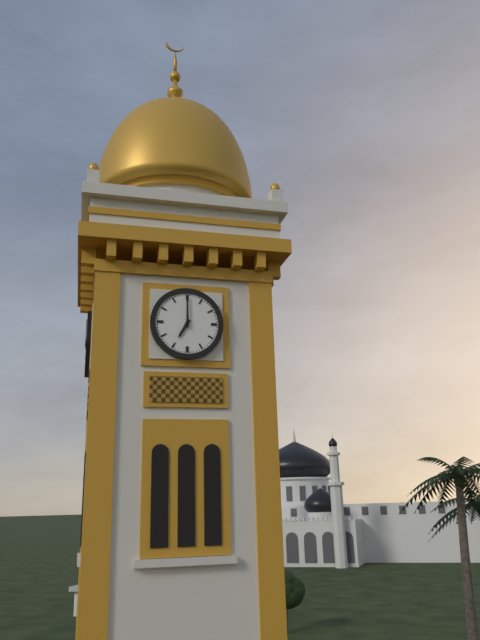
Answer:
**7:00**
